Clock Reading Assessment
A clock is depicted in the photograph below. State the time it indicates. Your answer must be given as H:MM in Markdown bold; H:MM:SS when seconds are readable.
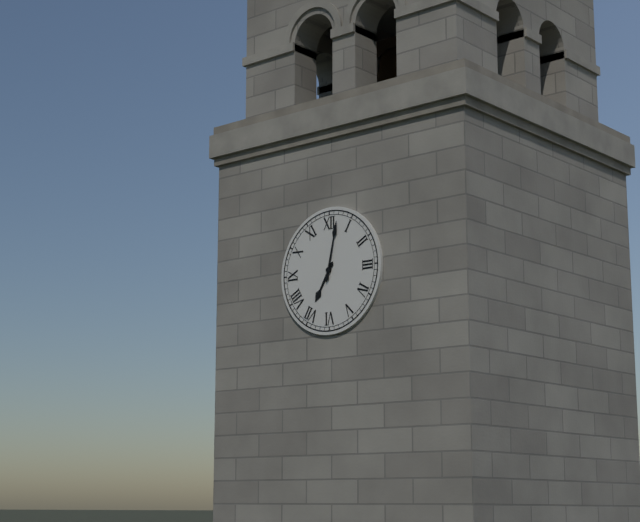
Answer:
**7:02**
